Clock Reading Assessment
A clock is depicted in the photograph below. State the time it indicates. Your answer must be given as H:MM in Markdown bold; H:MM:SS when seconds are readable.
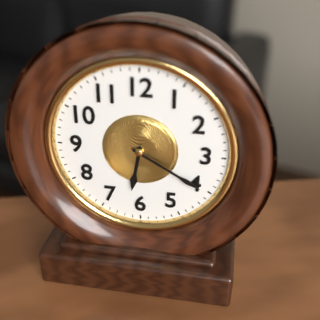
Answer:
**6:20**
